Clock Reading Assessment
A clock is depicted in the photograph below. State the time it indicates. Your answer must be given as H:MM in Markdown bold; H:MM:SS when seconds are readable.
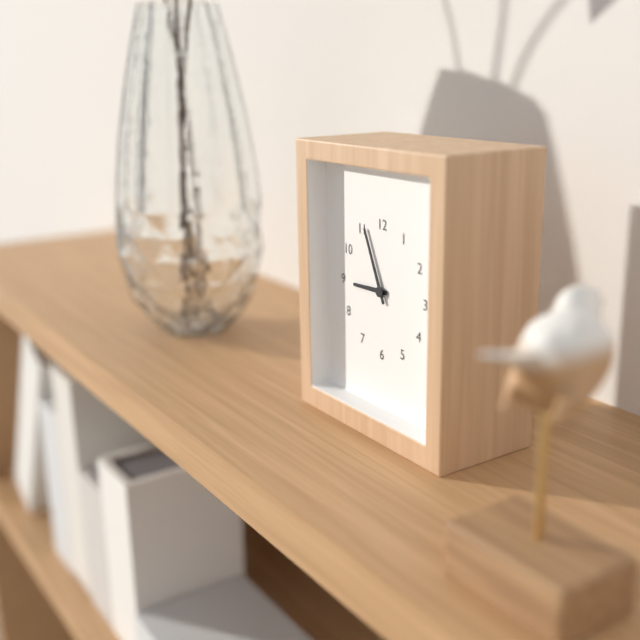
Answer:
**8:56**
